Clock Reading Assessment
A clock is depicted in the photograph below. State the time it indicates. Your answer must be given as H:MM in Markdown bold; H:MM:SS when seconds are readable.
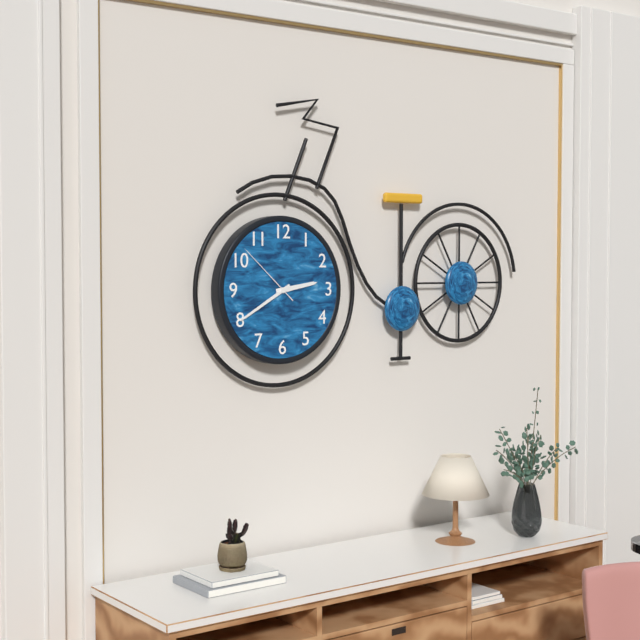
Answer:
**2:40:52**
